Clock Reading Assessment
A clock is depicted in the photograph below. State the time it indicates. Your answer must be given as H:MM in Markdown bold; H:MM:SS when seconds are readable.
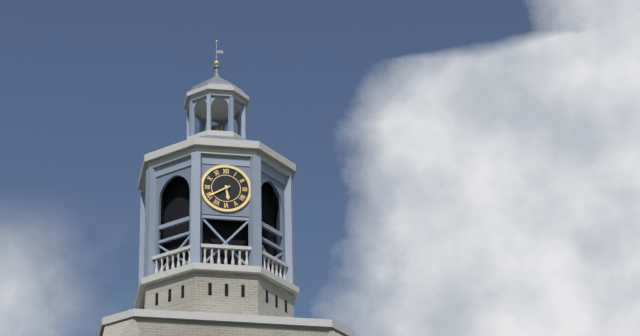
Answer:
**5:40**
